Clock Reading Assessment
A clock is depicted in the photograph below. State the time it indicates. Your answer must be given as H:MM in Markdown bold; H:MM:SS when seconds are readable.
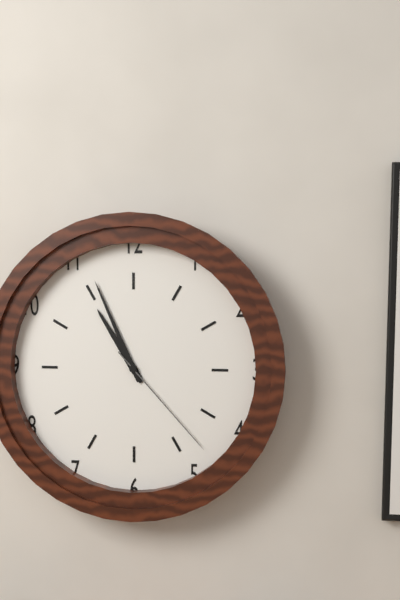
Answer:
**10:56:23**
